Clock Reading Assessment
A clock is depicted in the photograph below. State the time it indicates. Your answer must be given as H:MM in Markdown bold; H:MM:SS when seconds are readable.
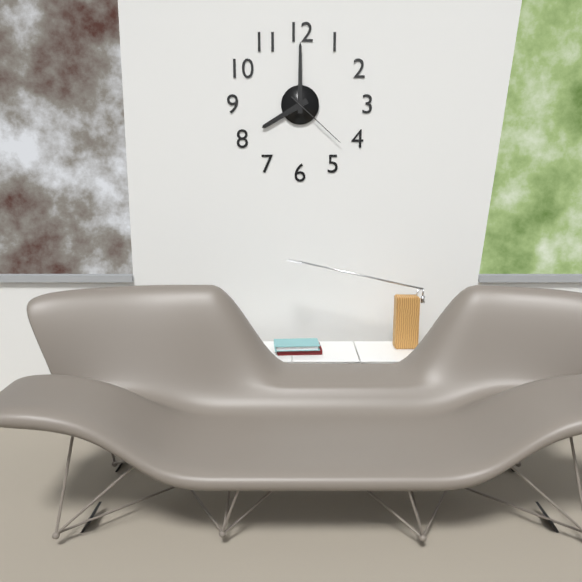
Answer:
**8:00:22**
